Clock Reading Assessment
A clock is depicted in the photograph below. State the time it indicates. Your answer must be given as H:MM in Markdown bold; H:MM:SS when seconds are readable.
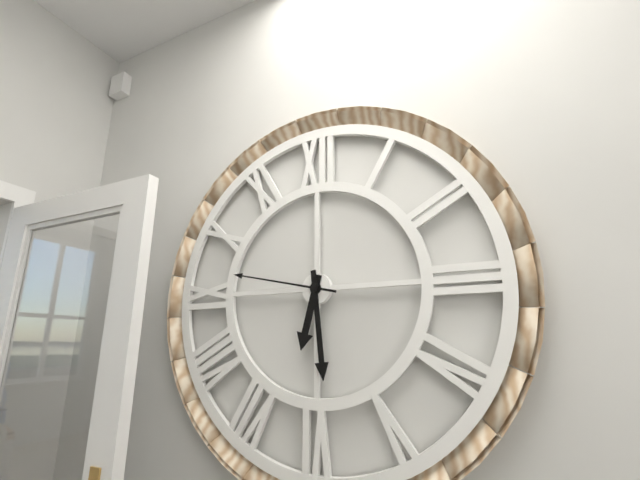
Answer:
**6:29:47**
